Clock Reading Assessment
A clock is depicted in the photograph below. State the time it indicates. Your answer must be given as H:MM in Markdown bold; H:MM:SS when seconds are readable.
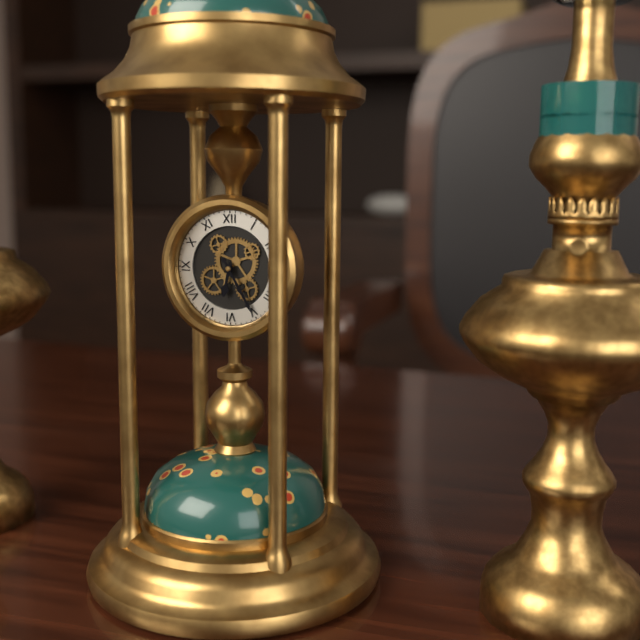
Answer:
**6:25**
